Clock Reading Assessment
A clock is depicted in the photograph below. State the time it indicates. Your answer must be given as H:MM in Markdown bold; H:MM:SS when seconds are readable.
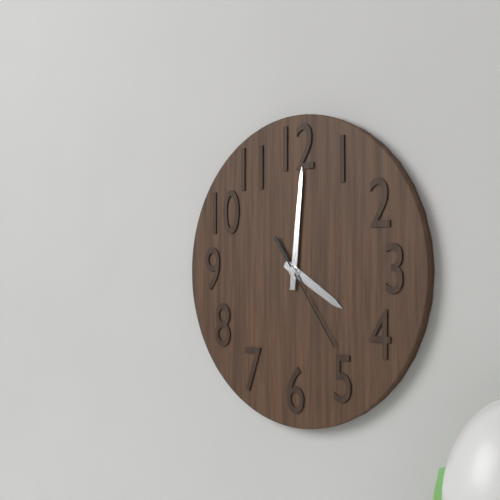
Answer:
**4:01:24**
